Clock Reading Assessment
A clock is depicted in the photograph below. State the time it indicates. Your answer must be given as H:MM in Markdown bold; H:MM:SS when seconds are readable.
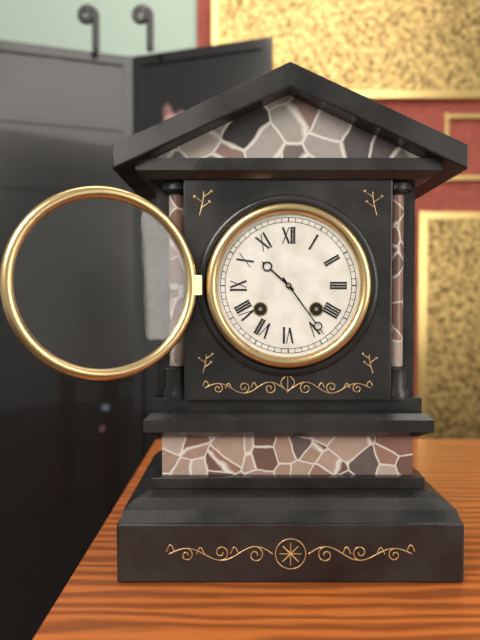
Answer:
**10:24**
